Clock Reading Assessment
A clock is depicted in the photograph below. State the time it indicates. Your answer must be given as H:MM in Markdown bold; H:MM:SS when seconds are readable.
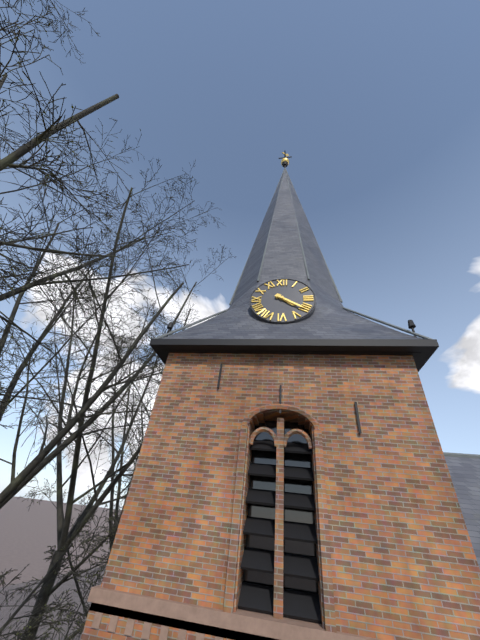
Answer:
**4:21**
